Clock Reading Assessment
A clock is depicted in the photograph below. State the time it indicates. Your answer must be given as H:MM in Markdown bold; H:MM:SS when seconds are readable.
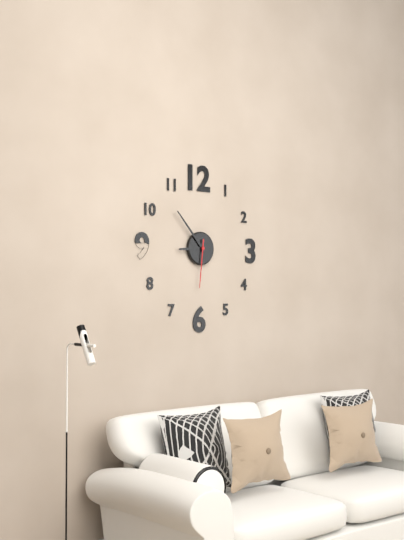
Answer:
**8:53**
